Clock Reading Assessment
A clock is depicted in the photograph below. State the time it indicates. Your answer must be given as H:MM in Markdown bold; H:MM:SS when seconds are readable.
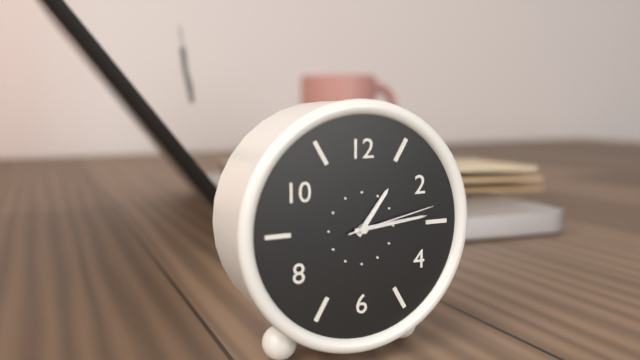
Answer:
**1:14:13**
